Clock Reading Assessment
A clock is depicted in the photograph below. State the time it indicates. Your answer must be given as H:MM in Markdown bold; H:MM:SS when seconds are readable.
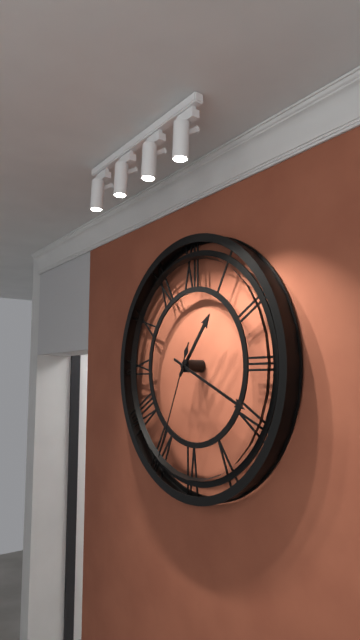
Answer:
**1:19:34**
